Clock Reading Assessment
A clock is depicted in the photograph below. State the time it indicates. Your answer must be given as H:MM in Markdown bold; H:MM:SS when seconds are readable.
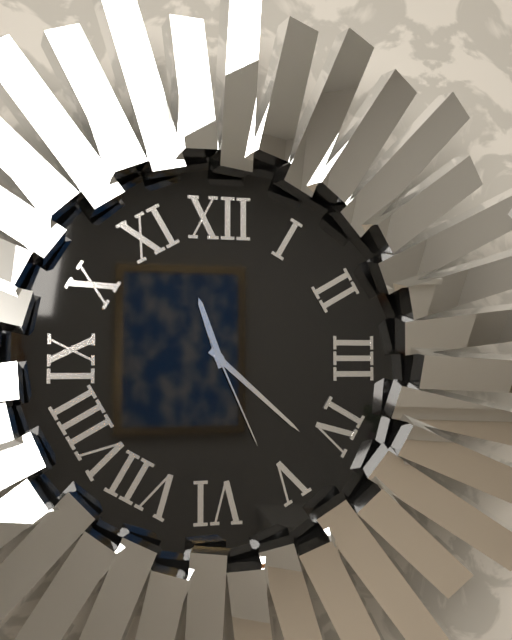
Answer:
**11:22:26**
